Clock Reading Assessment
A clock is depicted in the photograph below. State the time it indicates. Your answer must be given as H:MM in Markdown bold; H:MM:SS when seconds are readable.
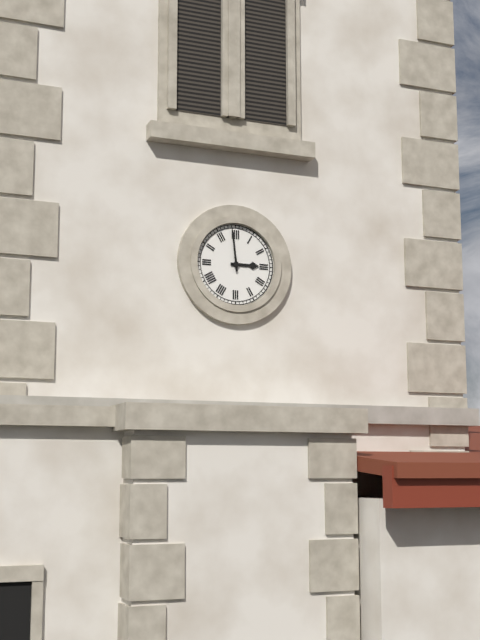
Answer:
**2:59**
